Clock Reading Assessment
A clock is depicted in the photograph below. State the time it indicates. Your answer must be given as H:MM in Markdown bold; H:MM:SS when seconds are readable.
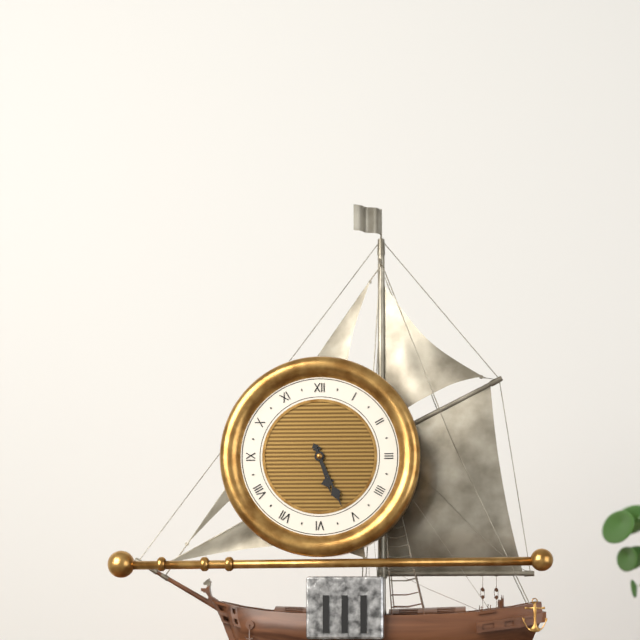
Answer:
**5:26**
